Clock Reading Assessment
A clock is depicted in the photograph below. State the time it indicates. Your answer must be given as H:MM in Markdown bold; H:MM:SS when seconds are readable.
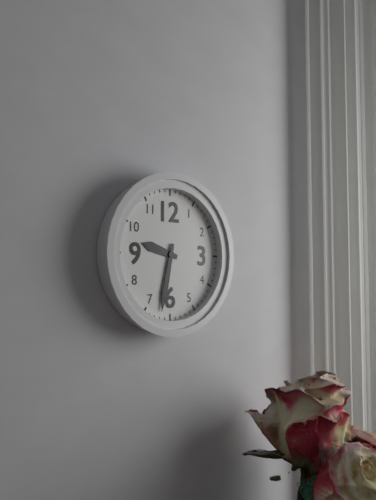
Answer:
**9:32**
